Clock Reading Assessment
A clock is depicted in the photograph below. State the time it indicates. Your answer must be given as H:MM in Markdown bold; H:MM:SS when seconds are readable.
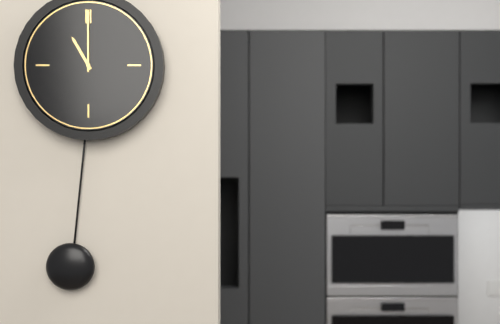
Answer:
**11:00**
